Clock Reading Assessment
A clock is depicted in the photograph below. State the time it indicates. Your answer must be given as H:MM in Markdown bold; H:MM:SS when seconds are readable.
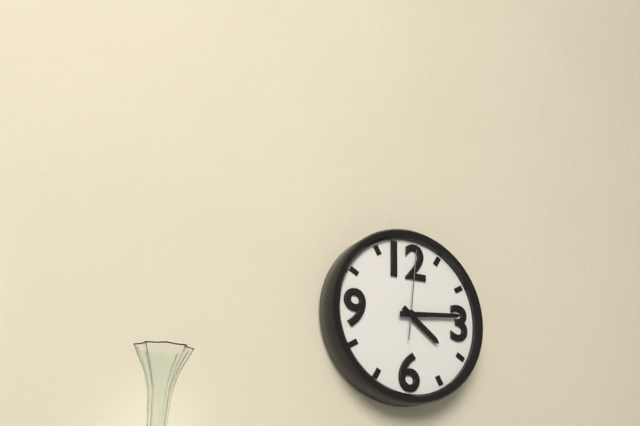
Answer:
**4:14:01**
